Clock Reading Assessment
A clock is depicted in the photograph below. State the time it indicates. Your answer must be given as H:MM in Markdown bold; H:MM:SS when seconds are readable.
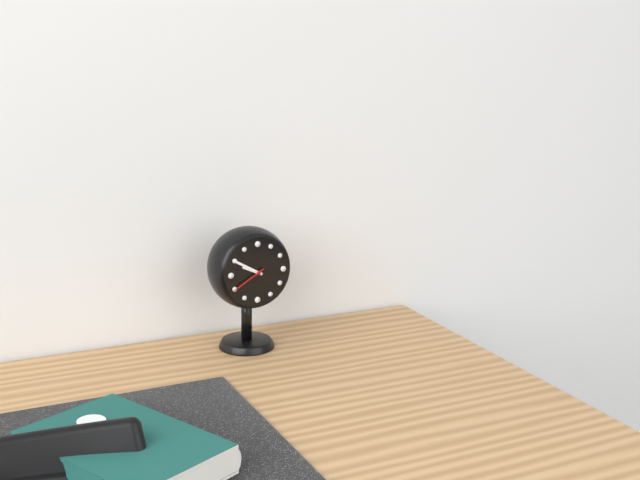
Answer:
**9:50**
